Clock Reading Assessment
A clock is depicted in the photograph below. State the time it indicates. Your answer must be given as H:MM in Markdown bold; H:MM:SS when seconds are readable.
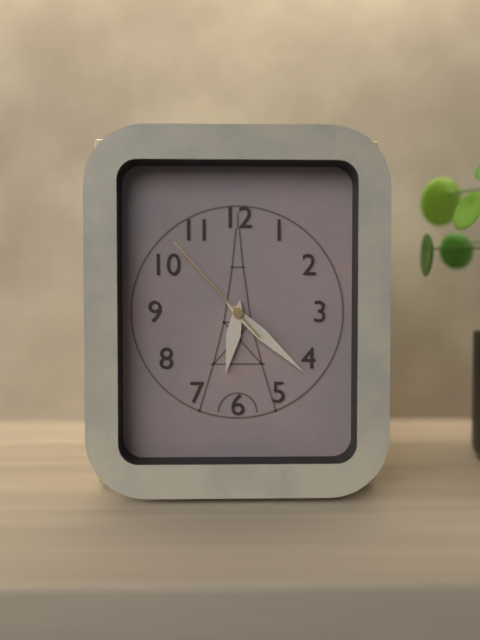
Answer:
**6:22:53**
